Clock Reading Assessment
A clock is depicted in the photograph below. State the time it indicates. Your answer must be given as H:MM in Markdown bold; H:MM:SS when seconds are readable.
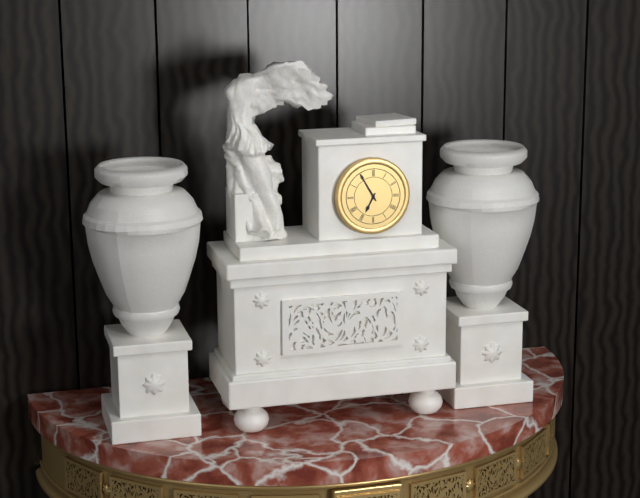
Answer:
**6:55**
